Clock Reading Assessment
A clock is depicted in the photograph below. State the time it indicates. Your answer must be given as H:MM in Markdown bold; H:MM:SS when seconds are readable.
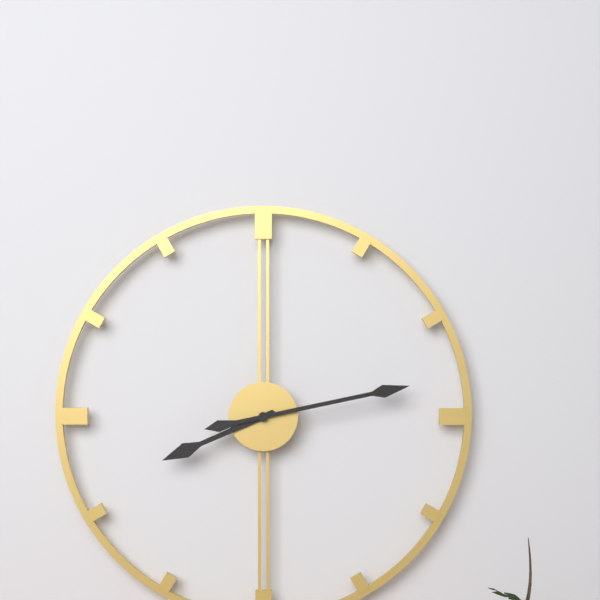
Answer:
**8:13**
